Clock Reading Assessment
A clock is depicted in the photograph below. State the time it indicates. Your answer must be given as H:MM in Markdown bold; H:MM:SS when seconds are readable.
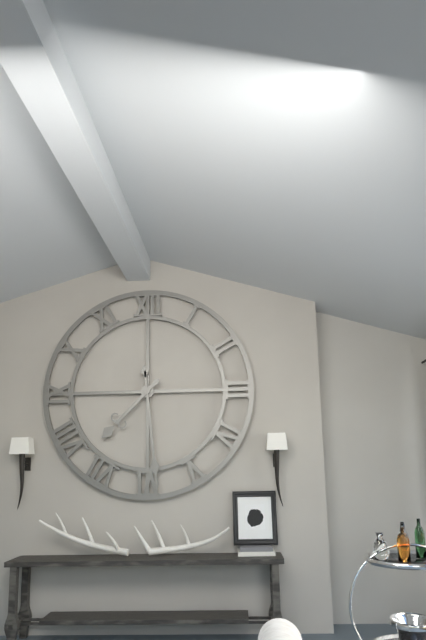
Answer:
**7:29**
